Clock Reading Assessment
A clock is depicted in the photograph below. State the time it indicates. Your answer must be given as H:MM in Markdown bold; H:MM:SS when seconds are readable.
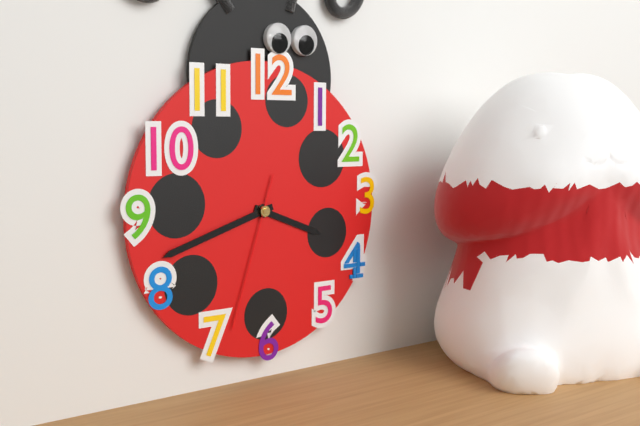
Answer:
**3:42:33**
